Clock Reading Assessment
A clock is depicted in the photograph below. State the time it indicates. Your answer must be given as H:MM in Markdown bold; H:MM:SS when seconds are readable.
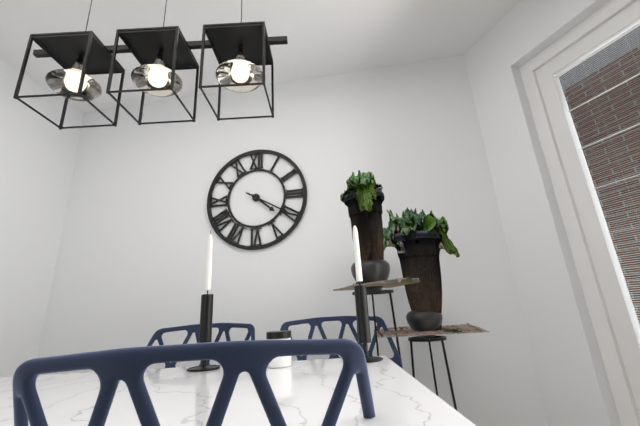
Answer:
**4:20**
